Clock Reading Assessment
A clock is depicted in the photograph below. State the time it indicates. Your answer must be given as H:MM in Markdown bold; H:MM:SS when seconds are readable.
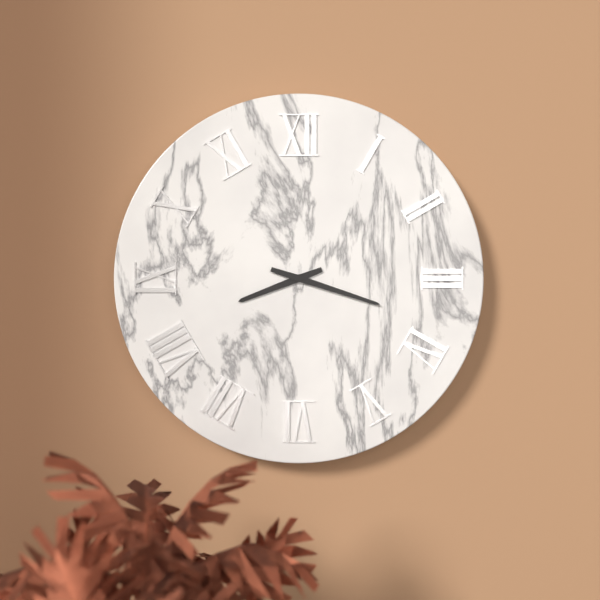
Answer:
**8:18**
